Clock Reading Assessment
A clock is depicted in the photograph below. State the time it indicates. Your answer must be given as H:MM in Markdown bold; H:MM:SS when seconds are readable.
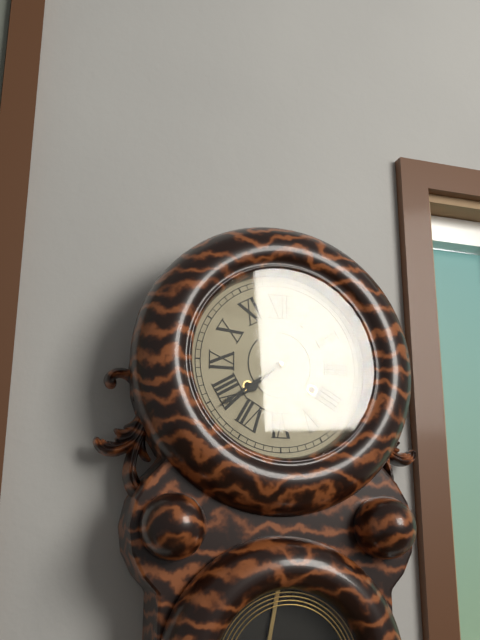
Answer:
**7:39**
